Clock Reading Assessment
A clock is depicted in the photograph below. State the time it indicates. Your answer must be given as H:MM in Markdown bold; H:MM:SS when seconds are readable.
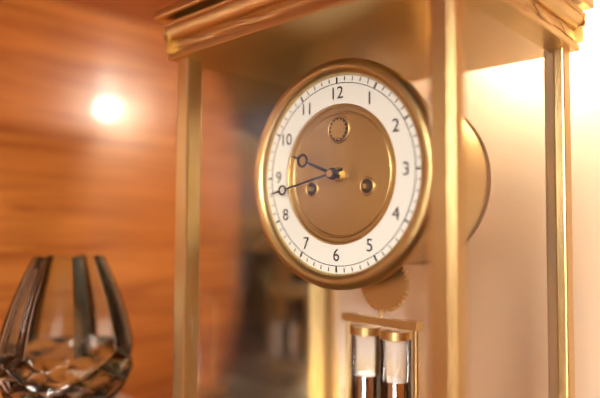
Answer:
**9:43**
